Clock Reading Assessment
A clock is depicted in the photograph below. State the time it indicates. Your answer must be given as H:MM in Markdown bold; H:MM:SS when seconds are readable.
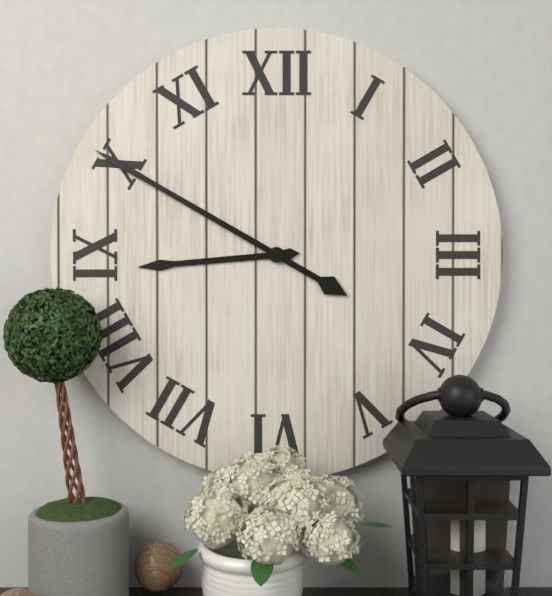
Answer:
**8:50**
